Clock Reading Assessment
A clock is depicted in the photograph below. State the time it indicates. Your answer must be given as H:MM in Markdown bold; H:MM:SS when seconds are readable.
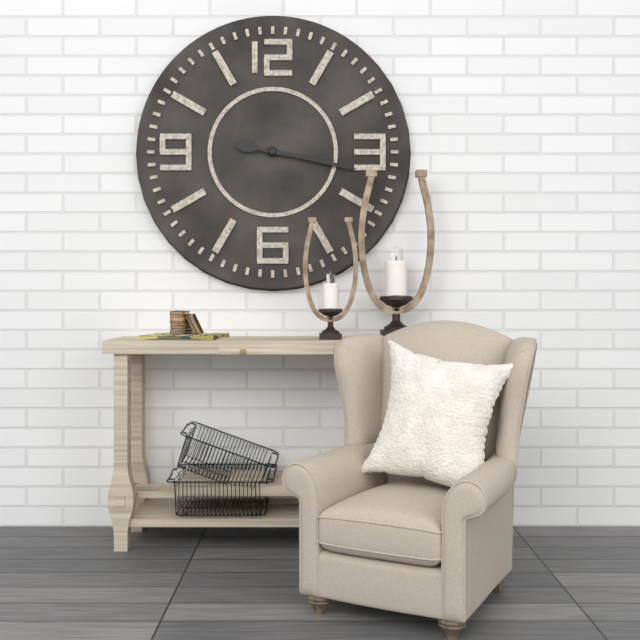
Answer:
**3:17**
